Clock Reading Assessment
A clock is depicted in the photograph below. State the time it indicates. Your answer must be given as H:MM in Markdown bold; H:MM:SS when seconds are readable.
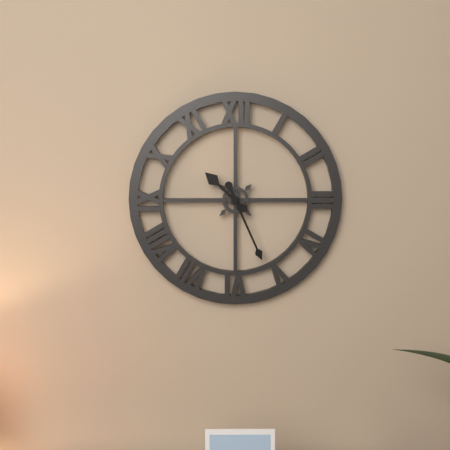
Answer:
**10:26**
